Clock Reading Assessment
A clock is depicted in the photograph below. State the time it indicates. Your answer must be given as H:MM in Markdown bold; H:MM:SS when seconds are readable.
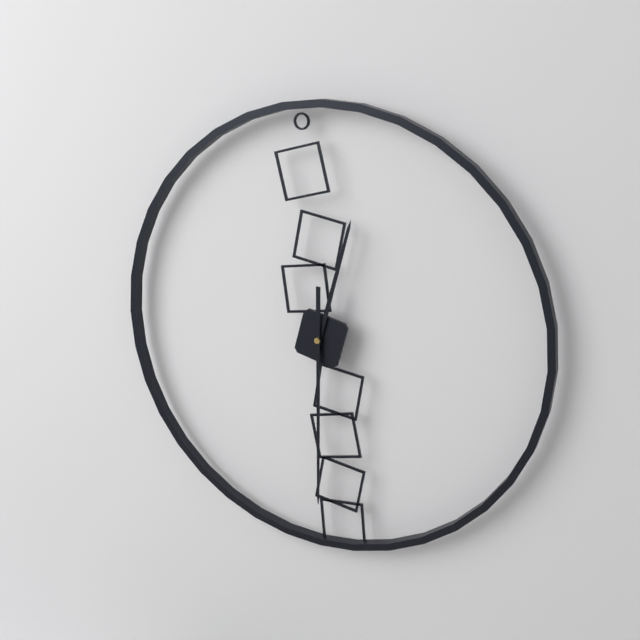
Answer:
**12:30**
